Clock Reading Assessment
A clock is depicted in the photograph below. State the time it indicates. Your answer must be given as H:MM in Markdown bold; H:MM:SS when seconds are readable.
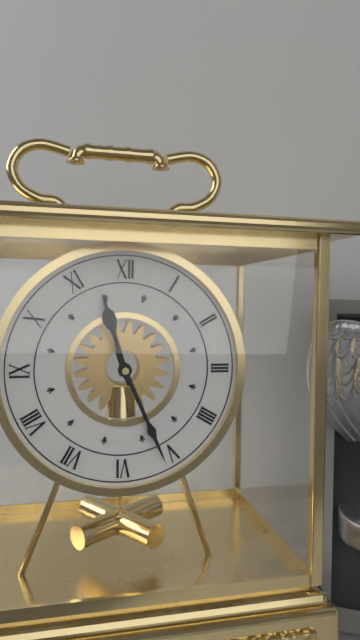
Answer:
**11:26**
